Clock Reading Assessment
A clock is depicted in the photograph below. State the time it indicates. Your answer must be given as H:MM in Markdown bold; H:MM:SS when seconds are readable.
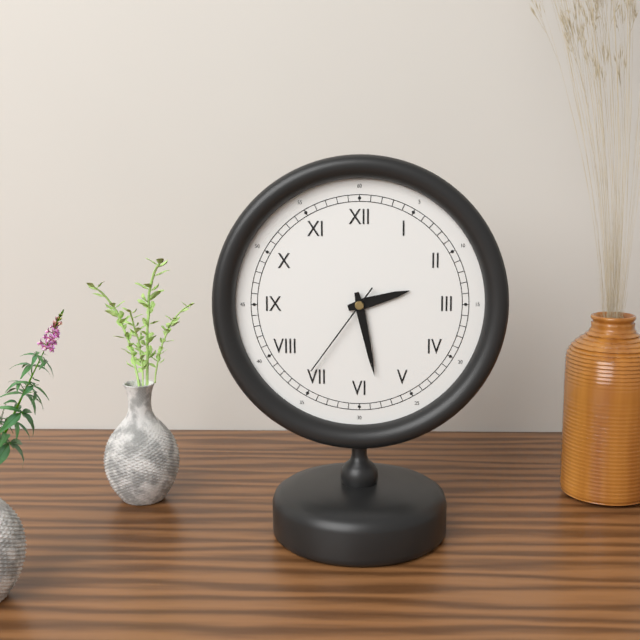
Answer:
**2:28:36**
